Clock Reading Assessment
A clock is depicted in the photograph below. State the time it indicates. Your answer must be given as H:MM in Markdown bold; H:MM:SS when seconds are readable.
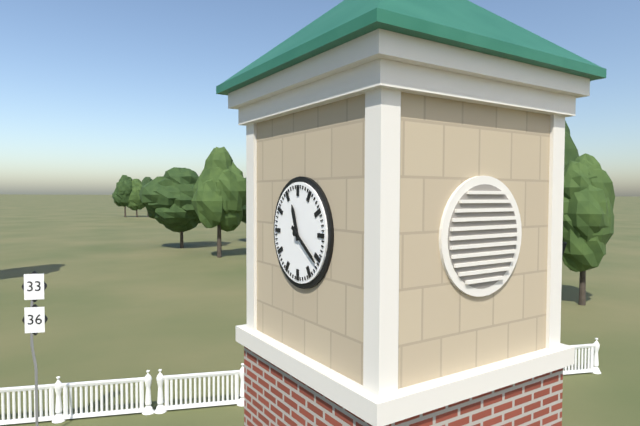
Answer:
**11:21**
